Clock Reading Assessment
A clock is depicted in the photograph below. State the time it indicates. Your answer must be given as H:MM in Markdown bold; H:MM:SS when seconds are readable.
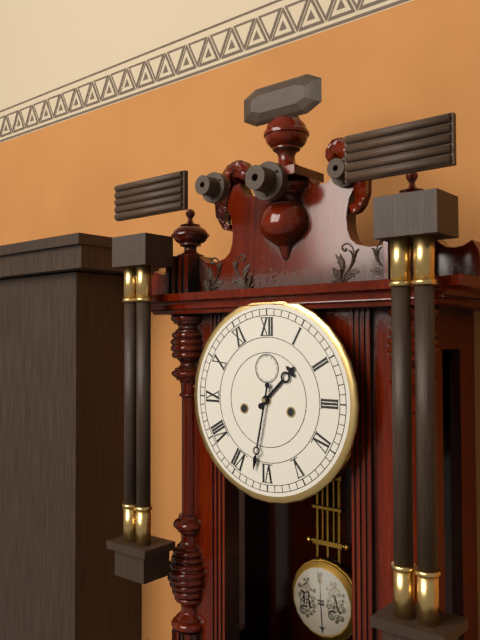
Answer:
**1:32**
